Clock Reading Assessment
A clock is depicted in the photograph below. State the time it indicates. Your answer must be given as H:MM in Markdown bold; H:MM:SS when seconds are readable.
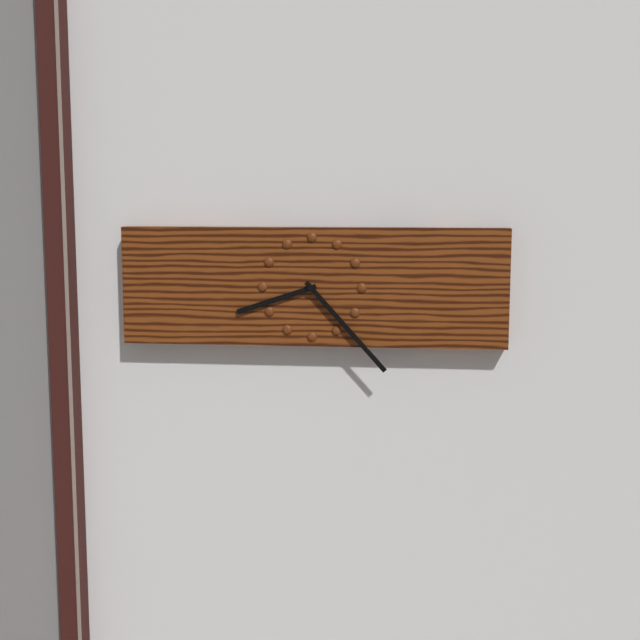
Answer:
**8:23**
